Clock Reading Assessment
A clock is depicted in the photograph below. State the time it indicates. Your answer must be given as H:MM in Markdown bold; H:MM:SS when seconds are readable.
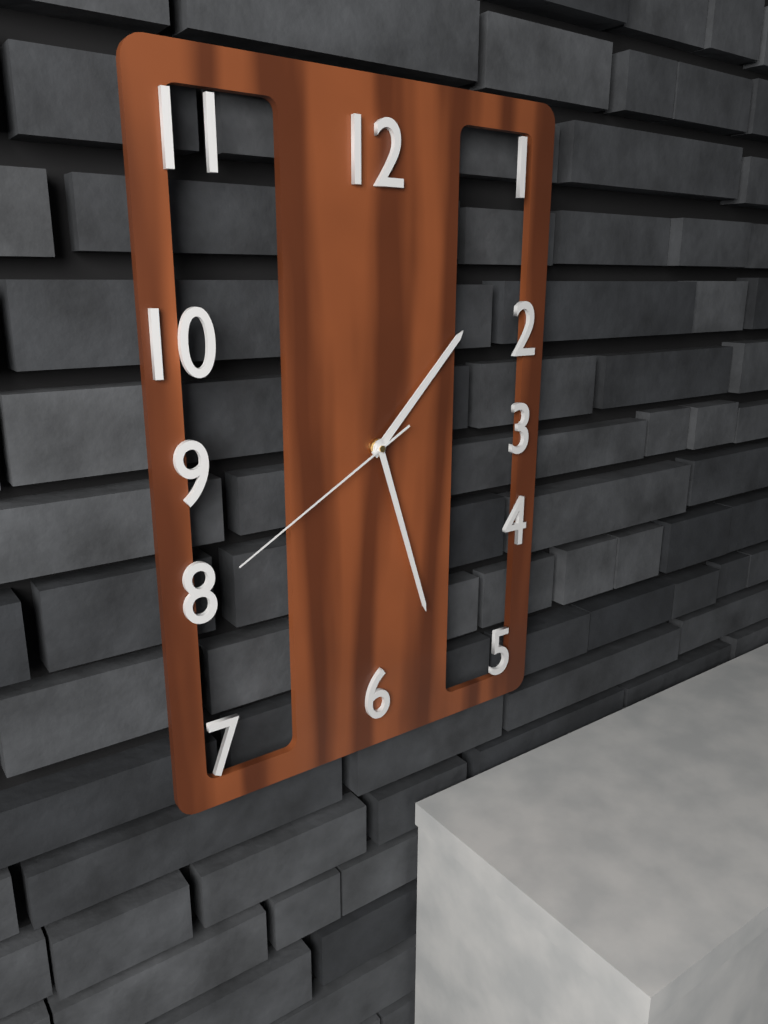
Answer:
**1:27:40**
